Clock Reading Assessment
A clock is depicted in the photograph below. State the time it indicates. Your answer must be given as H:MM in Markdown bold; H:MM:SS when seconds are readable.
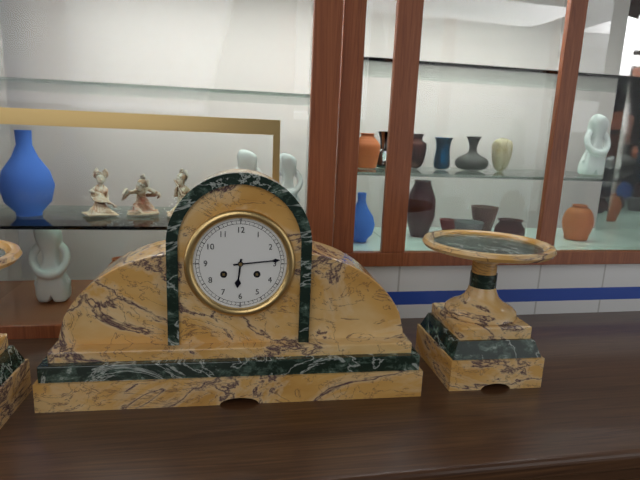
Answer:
**6:14**
